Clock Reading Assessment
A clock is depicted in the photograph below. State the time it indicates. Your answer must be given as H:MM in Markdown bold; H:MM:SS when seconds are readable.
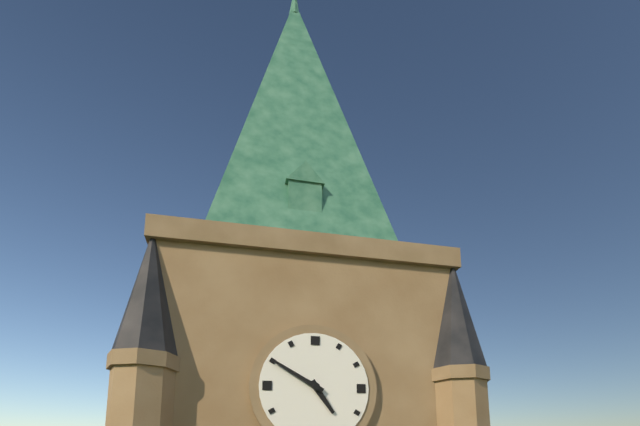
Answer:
**4:50**
